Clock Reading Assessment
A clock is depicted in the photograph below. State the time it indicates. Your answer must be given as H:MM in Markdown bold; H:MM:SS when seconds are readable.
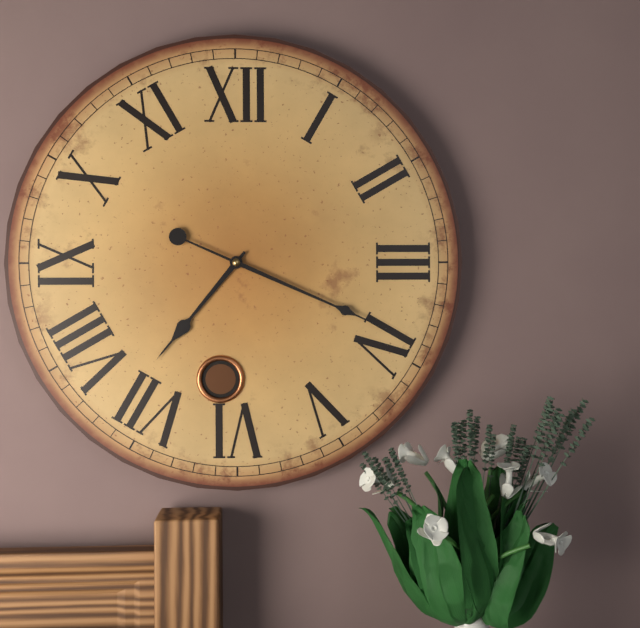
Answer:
**7:19**
